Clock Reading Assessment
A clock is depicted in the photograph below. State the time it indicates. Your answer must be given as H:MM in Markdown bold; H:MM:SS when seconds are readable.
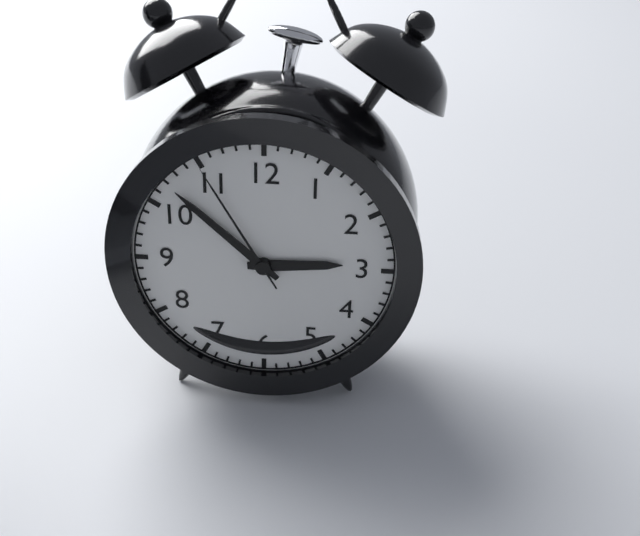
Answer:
**2:52:55**
